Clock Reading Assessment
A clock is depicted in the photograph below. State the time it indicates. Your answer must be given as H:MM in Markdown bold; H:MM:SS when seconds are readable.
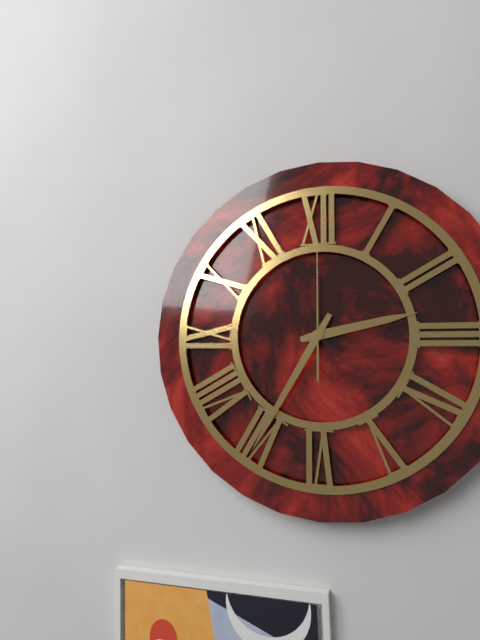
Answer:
**2:35:00**
